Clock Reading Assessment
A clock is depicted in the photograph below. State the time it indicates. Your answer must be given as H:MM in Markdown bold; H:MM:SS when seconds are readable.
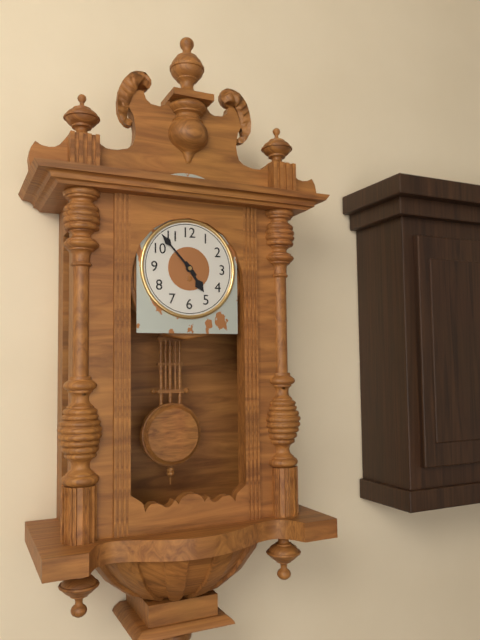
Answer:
**4:53**
